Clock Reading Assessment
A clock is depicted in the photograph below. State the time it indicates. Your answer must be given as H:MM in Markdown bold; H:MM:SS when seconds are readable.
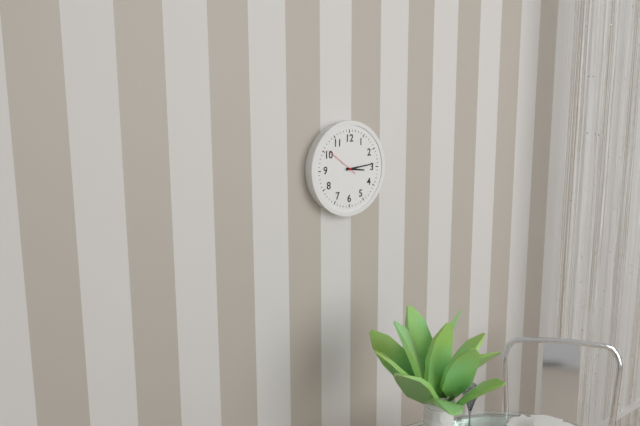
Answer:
**3:14**
